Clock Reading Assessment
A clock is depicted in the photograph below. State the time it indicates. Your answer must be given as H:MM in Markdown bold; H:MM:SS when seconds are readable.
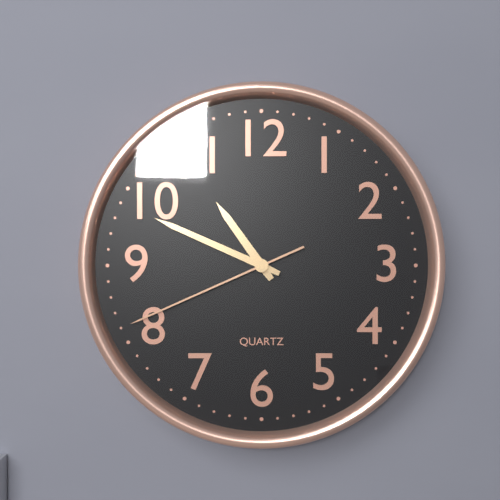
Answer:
**10:49:41**
